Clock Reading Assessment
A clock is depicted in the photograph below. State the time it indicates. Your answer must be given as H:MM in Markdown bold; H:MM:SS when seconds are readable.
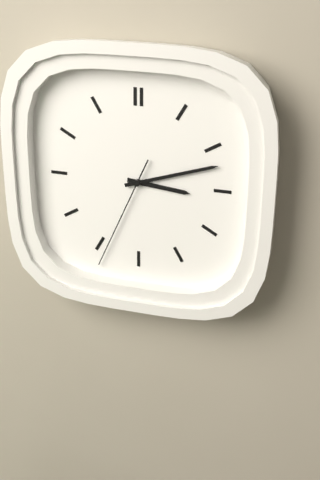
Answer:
**3:12:34**
